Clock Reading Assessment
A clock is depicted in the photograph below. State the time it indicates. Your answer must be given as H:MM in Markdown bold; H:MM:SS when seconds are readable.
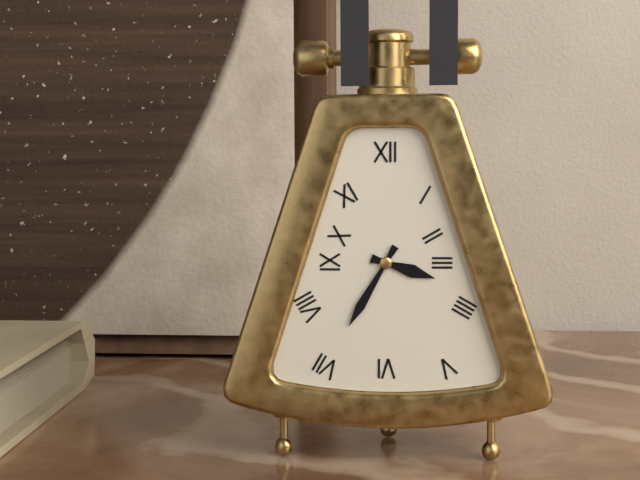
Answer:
**3:35**
